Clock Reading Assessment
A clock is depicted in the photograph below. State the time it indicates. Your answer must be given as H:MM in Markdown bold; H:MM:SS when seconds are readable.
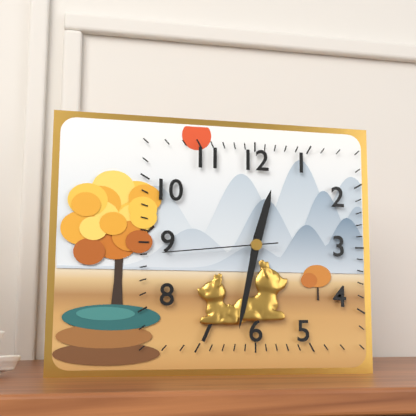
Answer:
**12:32:44**
